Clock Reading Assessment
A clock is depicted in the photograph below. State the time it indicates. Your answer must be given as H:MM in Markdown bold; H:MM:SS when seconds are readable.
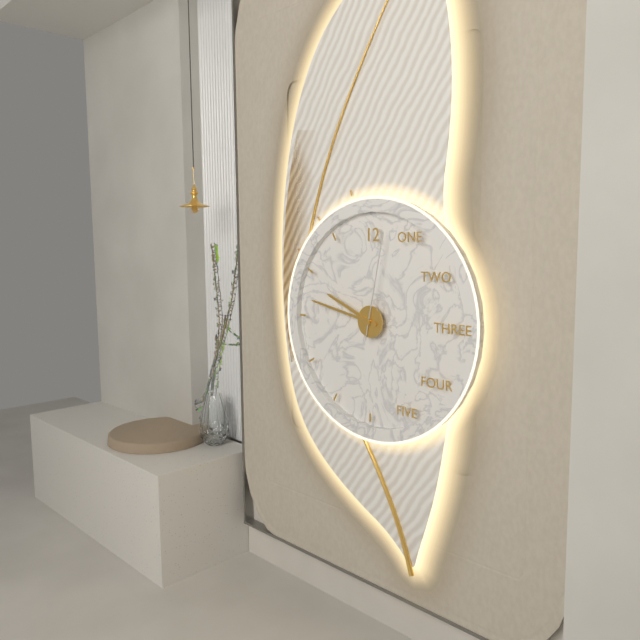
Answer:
**9:47:02**
